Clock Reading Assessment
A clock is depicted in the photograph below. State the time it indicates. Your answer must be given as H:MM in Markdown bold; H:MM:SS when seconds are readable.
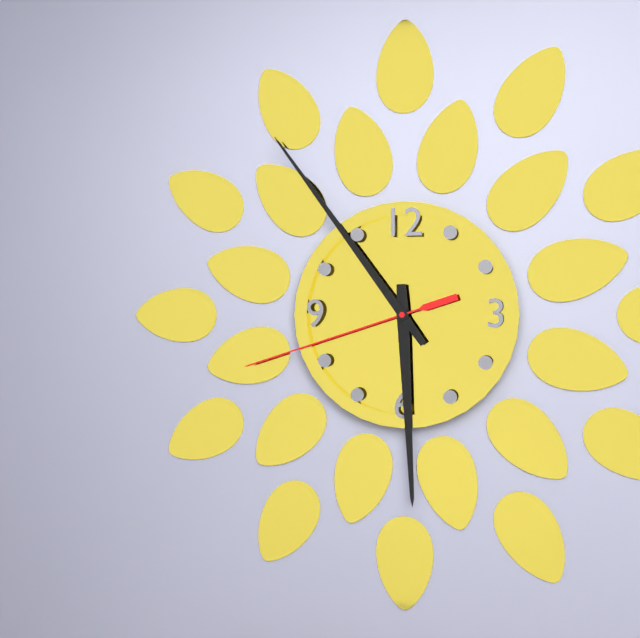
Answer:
**5:54:42**
